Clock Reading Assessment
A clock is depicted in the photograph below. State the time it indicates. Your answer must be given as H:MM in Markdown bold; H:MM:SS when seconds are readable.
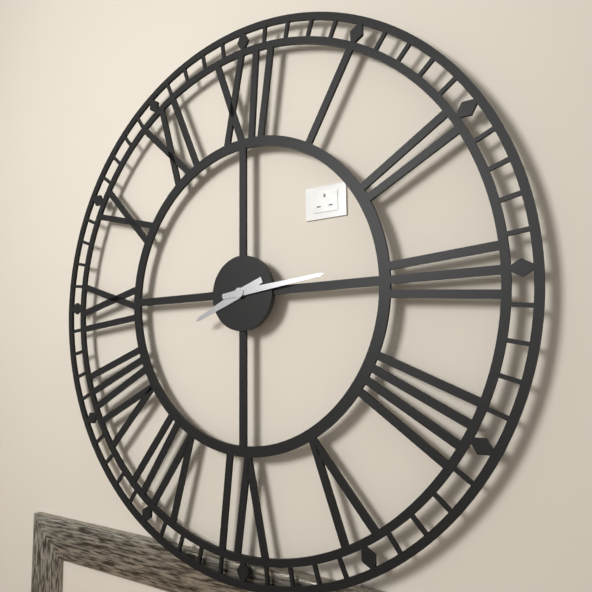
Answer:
**8:14**
